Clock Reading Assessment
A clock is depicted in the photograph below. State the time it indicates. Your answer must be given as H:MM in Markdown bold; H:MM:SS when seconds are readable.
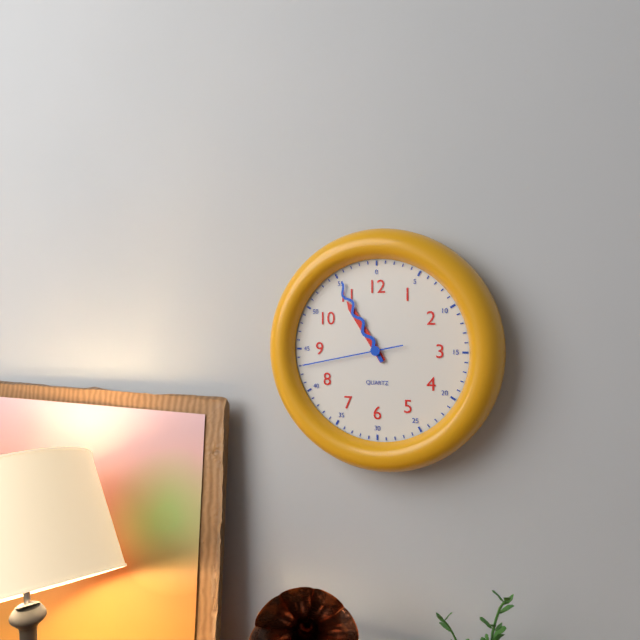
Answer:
**10:55:43**
